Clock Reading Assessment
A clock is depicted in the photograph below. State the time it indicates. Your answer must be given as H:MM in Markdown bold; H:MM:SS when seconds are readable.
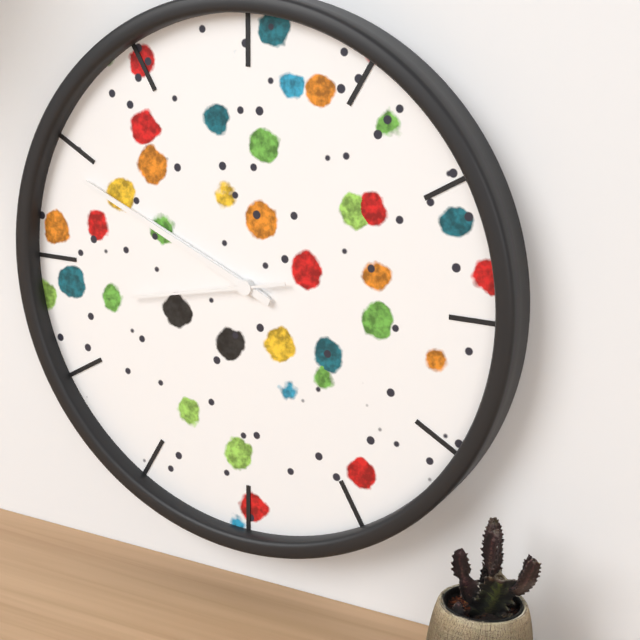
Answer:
**9:49:43**
